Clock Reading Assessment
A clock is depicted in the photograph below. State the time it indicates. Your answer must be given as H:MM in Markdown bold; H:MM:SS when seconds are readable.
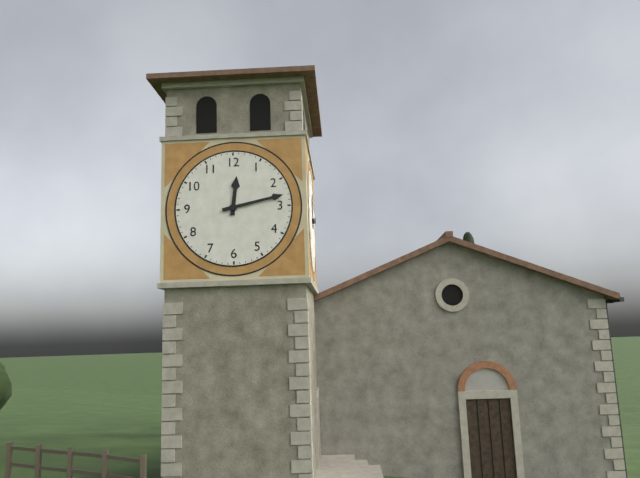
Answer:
**12:13**
